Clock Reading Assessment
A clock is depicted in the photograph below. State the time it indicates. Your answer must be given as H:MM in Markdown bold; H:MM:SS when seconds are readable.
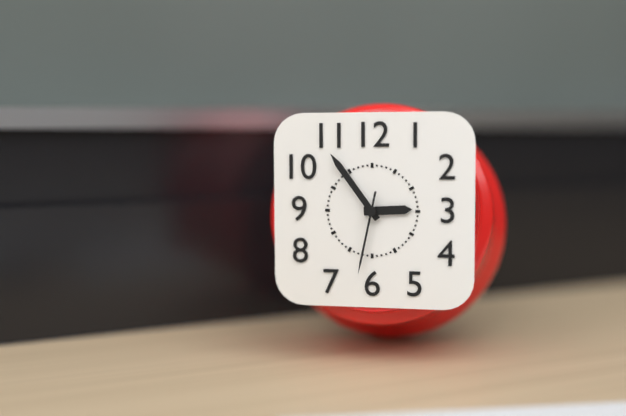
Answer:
**2:54:32**
